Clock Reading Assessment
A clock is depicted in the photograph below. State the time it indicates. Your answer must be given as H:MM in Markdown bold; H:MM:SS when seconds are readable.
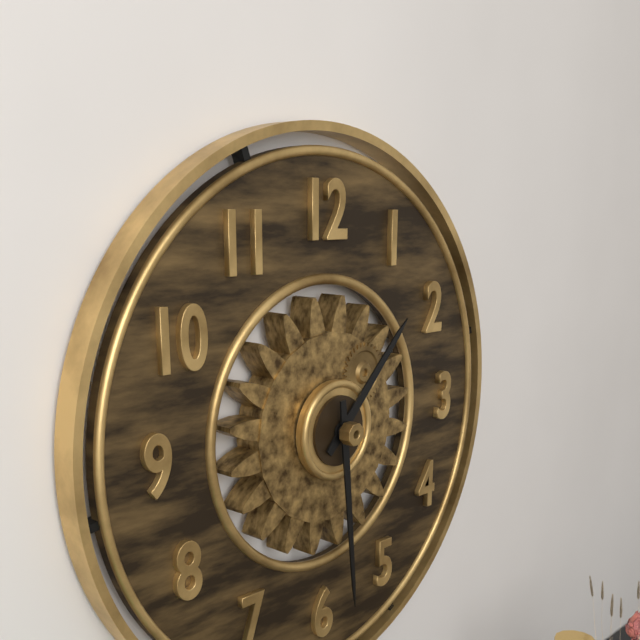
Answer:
**1:29**
